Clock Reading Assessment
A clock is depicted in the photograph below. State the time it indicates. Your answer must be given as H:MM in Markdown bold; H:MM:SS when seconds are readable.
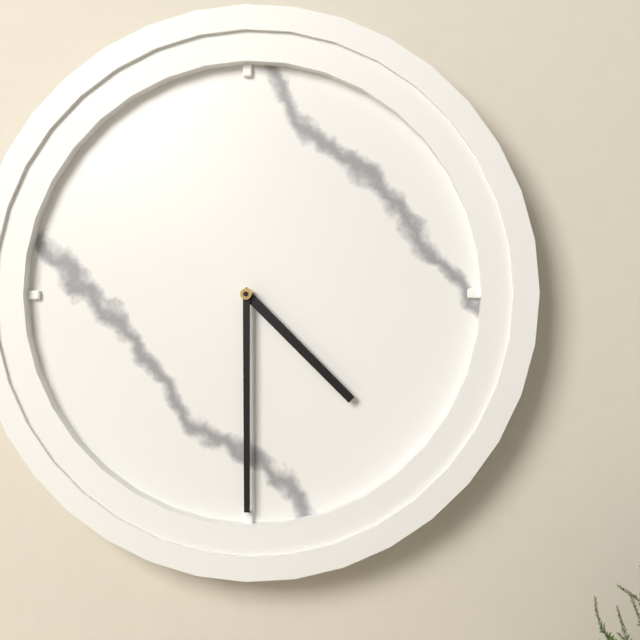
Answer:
**4:30**
